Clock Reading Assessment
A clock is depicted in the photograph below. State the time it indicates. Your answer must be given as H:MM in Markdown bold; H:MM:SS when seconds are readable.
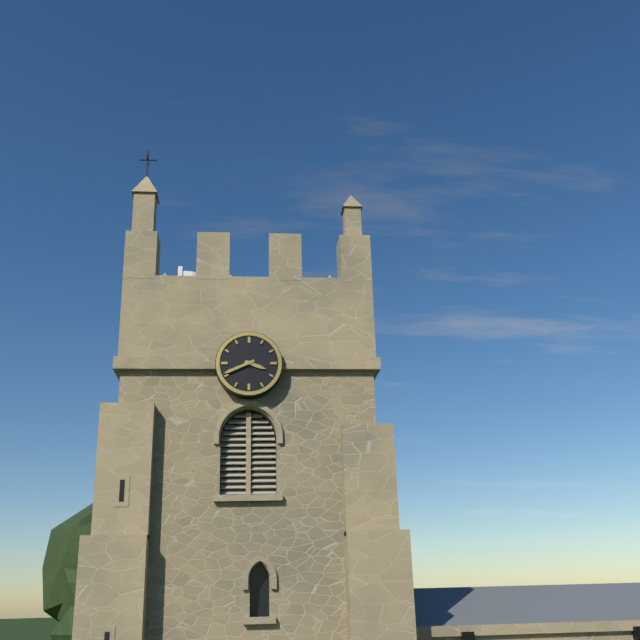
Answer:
**3:41**
